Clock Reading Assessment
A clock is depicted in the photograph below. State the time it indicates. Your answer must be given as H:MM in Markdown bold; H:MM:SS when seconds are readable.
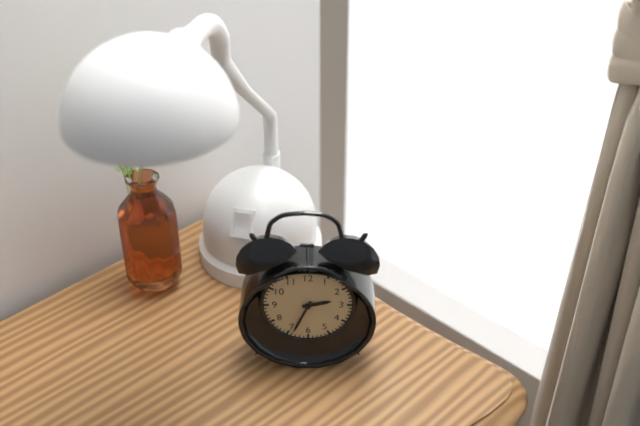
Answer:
**2:34**
